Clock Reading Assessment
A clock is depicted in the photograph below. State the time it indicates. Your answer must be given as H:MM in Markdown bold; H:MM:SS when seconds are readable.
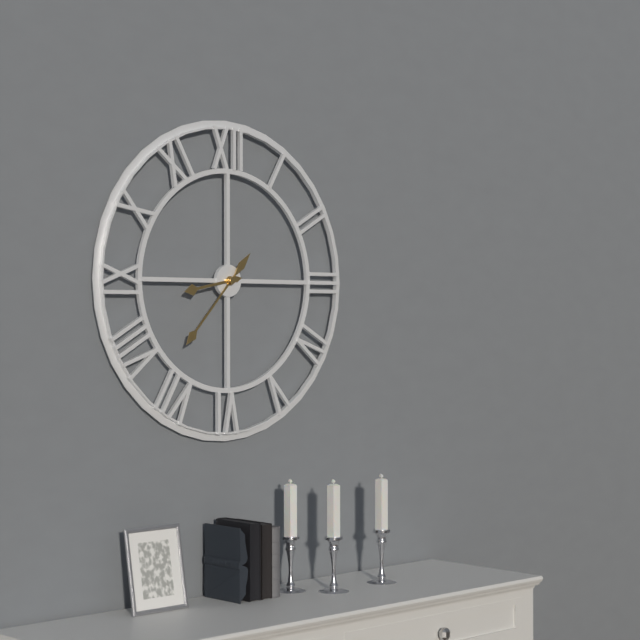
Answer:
**8:37**
